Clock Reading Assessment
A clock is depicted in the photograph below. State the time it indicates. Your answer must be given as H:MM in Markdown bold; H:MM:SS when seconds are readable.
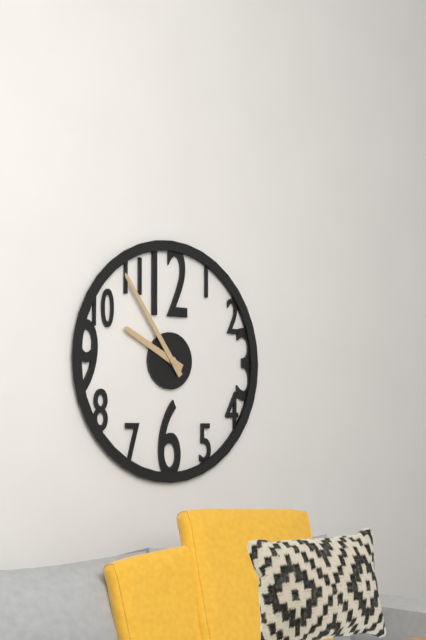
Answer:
**9:54**
